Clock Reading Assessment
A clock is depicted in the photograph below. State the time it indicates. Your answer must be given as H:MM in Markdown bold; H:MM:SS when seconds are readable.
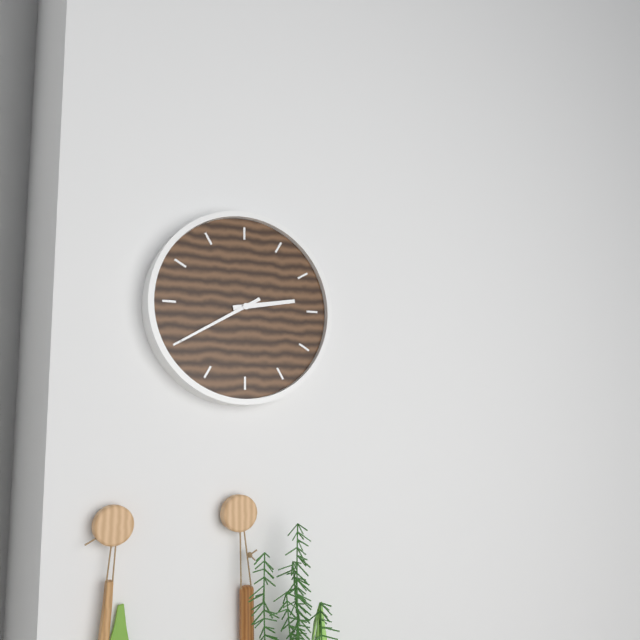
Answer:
**2:40**
